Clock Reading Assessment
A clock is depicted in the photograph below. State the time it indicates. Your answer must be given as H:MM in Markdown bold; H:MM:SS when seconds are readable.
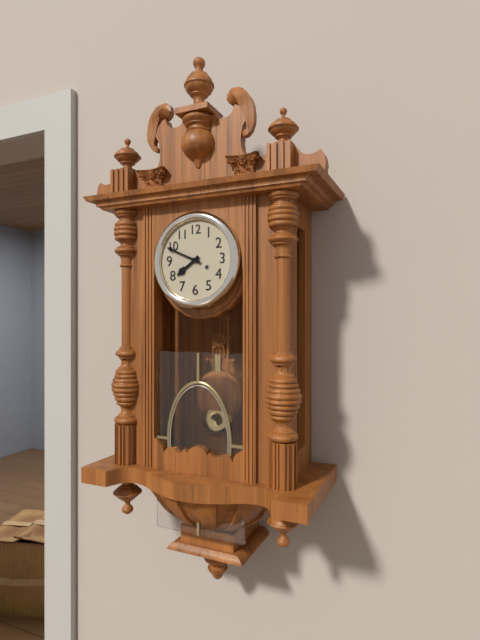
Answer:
**7:49**
